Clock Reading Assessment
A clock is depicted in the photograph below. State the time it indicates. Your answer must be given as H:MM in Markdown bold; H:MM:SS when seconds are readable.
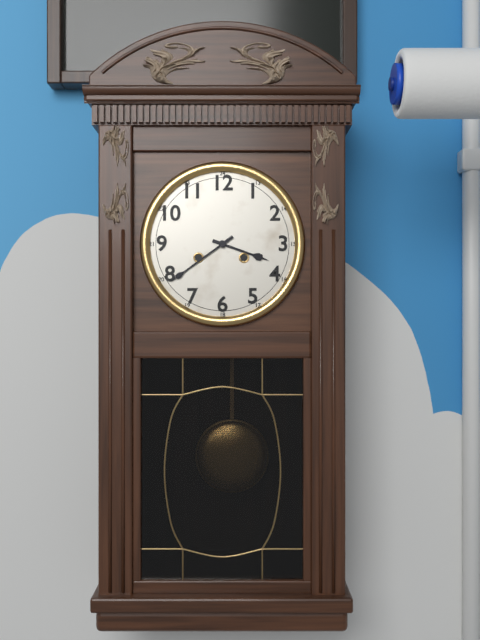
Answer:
**3:39**
